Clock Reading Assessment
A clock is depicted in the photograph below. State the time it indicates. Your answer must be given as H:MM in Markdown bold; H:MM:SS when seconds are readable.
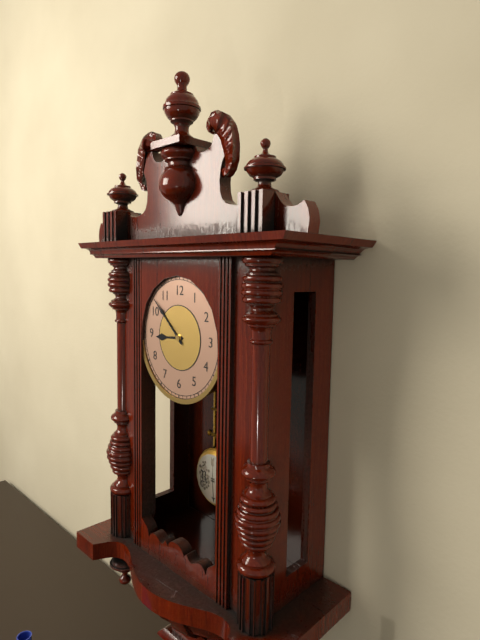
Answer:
**8:52**
